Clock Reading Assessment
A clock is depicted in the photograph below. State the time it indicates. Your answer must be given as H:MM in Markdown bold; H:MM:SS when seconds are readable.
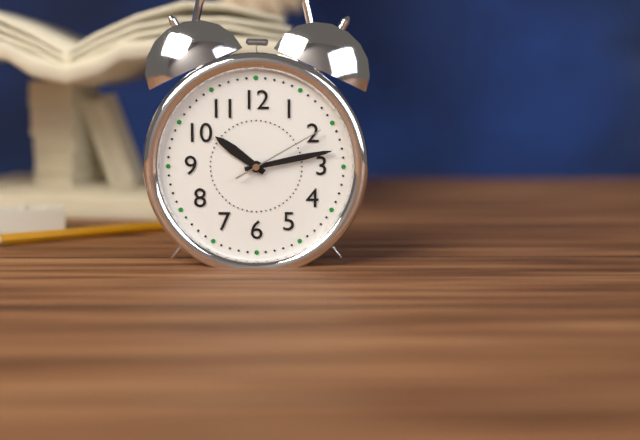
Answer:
**10:13:10**
